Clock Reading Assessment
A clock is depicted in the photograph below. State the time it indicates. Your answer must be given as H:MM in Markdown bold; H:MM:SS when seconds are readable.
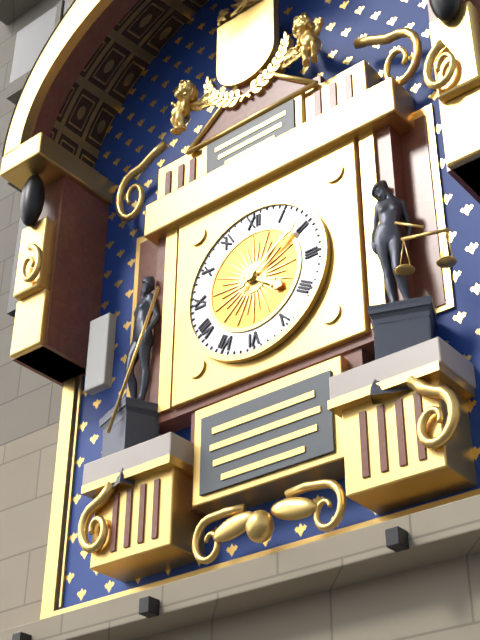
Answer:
**4:09**
